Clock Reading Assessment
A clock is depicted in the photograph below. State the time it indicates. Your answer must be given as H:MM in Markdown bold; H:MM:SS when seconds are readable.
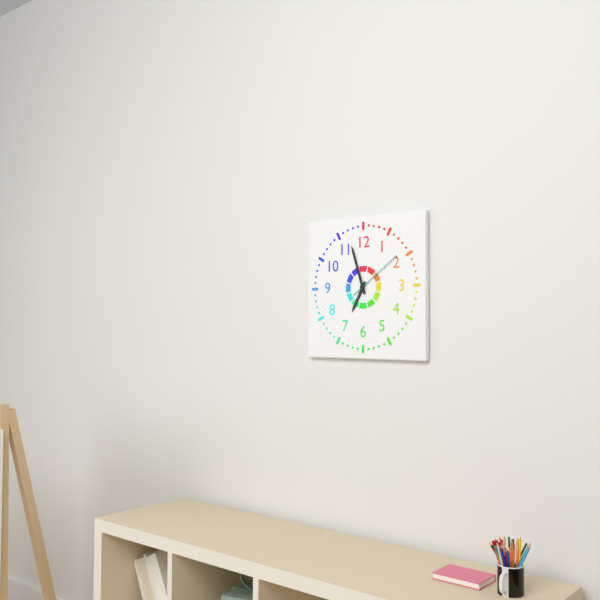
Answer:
**6:57:09**
